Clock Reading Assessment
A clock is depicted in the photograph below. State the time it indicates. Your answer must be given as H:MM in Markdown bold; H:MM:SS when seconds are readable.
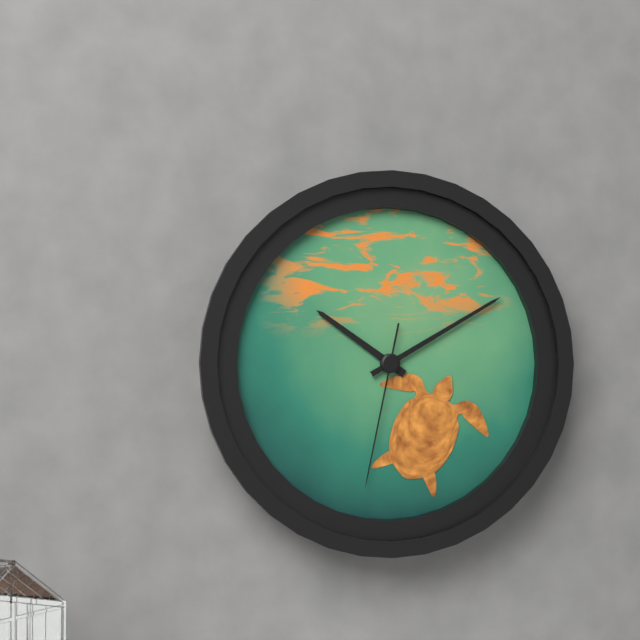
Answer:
**10:10:32**
